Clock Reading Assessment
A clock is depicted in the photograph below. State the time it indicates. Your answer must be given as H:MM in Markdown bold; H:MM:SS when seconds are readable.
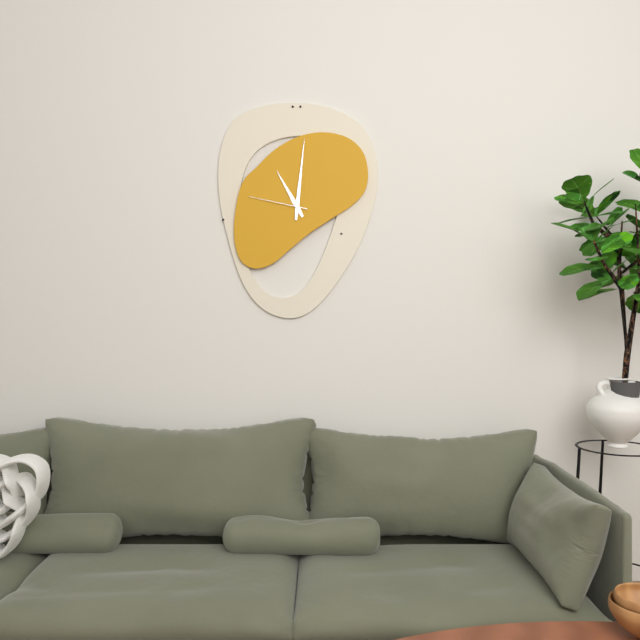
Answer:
**11:01:47**
